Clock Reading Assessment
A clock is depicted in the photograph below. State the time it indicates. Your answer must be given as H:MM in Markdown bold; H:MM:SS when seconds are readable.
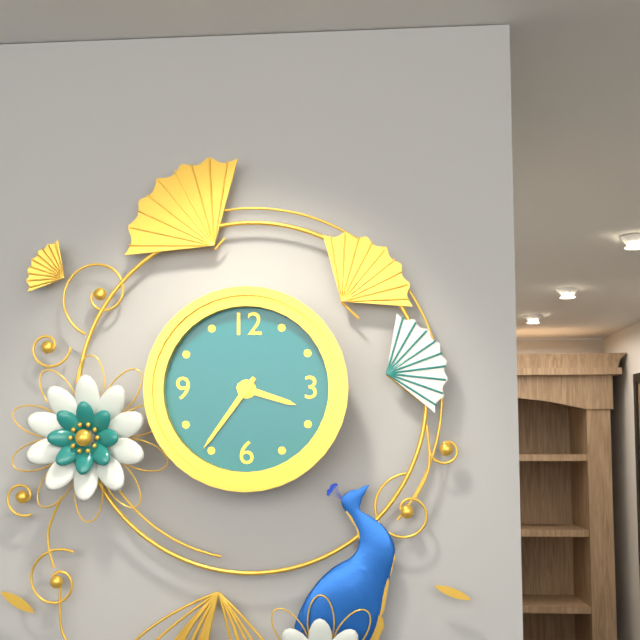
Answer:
**3:36**
